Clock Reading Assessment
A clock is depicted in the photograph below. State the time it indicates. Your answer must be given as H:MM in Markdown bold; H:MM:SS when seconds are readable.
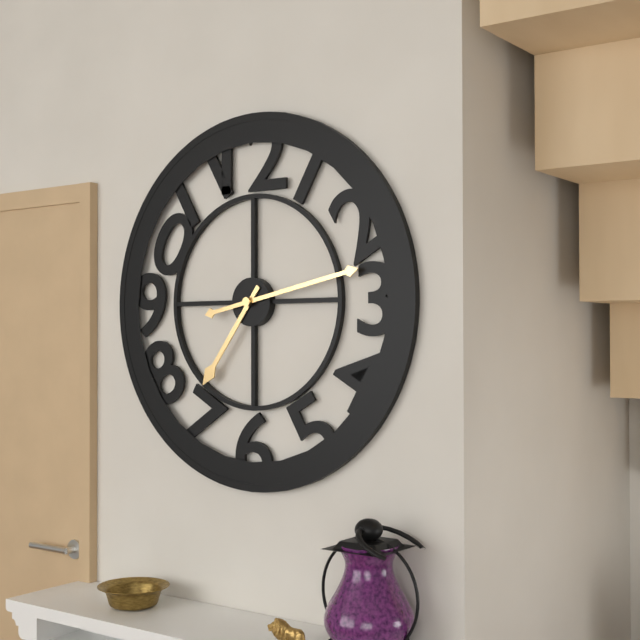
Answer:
**7:13**
